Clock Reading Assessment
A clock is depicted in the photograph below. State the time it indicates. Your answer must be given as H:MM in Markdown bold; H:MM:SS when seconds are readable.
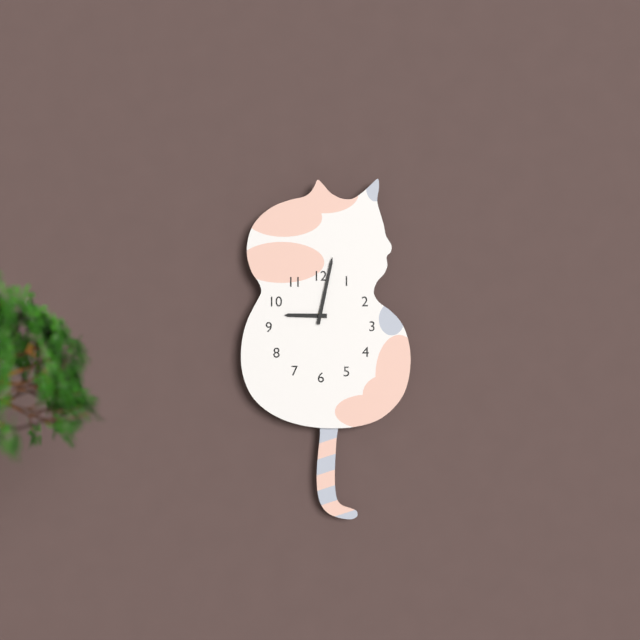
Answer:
**9:02**
